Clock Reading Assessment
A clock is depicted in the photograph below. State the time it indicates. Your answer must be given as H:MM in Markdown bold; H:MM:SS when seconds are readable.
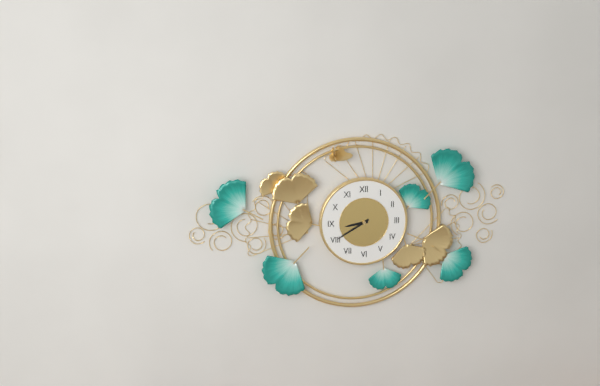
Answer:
**8:40**
